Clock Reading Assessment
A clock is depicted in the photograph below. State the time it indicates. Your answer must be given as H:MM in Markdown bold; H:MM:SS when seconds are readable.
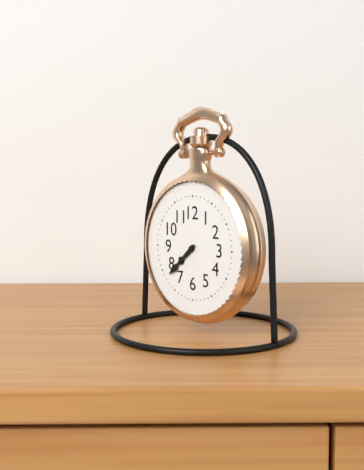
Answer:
**7:38**
